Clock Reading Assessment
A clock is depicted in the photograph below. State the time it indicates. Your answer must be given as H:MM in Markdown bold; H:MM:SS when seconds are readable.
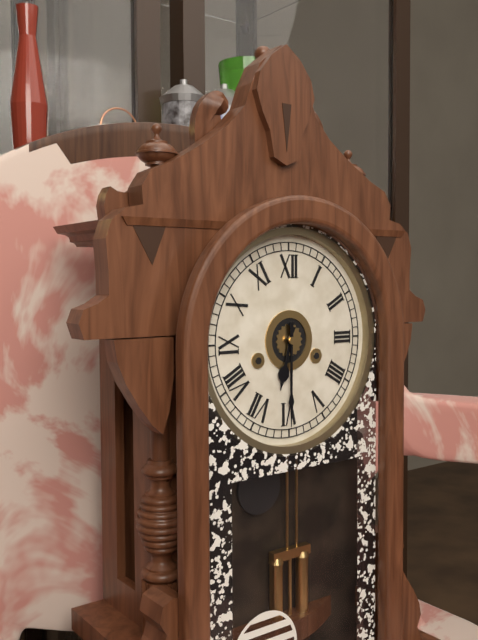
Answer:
**6:30**
